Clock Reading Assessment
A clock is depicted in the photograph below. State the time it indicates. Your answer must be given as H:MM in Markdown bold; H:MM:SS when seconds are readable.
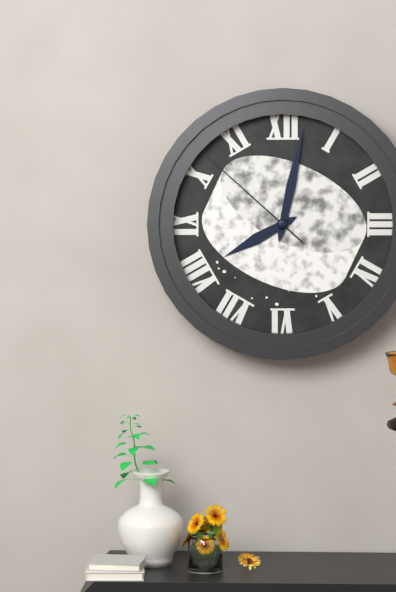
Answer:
**8:02:52**
